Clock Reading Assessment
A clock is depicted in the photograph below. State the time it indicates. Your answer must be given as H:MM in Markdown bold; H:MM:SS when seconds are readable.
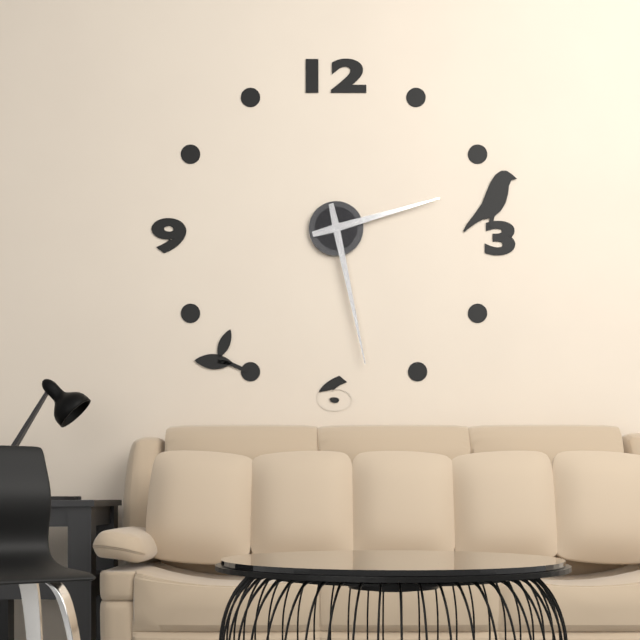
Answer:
**2:28**
